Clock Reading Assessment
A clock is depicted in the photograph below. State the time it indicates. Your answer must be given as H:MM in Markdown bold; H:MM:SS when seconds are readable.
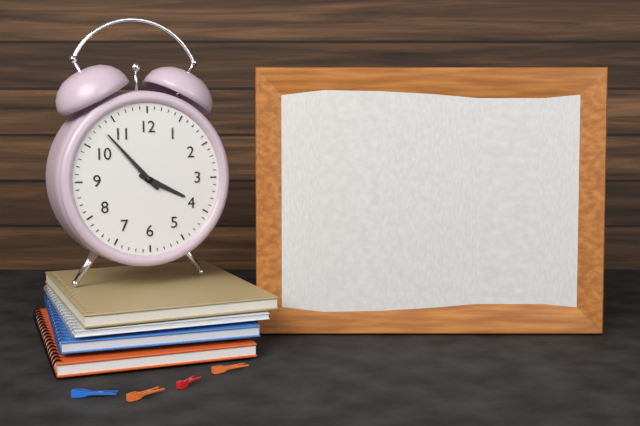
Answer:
**3:53**
